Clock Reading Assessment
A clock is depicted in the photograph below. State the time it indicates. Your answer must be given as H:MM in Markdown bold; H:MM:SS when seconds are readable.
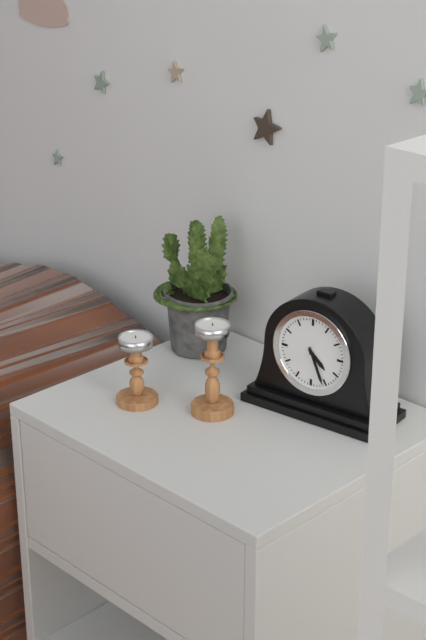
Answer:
**4:26**
